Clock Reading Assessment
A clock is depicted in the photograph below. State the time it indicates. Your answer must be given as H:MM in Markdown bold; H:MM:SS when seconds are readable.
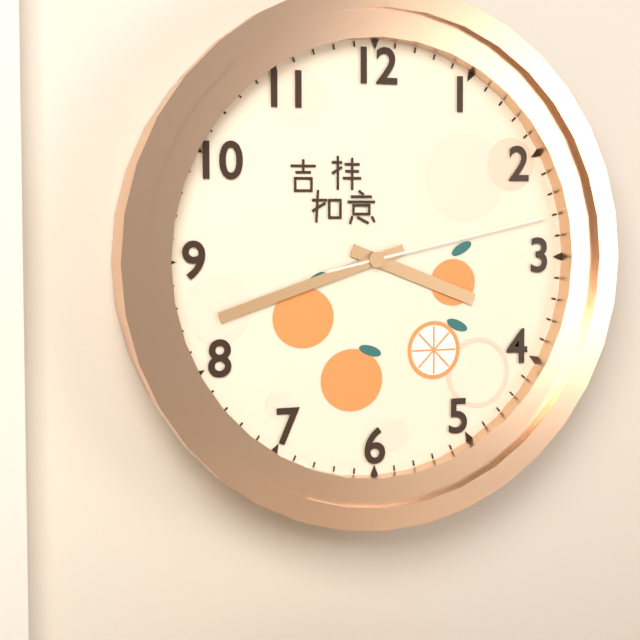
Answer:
**3:42:13**
